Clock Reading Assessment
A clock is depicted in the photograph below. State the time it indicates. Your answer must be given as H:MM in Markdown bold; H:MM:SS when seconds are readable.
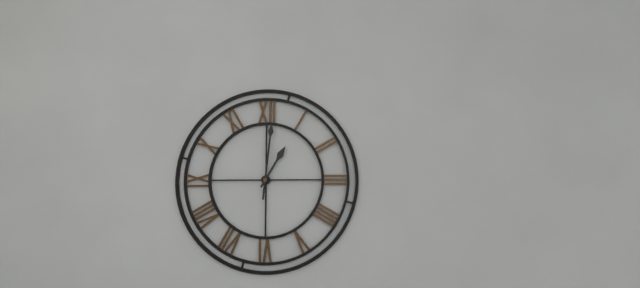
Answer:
**1:01**
